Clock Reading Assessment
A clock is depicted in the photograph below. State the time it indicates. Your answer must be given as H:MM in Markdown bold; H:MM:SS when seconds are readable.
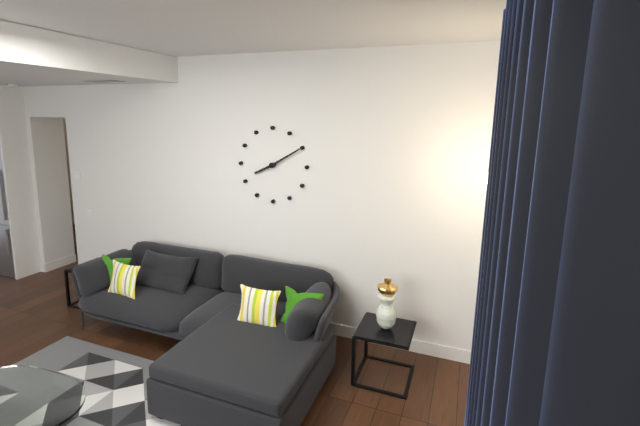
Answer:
**8:10**
